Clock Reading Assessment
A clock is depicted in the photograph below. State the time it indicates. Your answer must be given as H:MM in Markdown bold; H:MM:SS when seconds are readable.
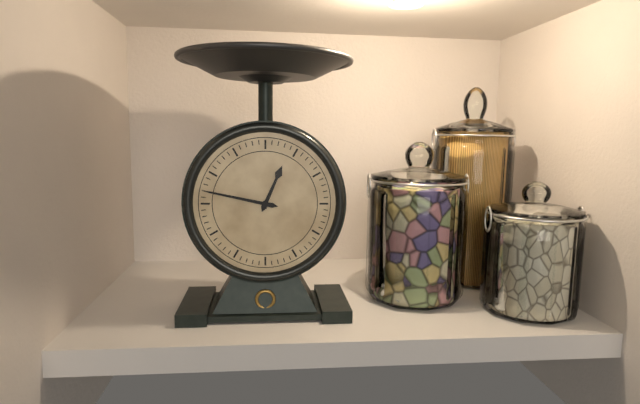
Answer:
**12:47**
